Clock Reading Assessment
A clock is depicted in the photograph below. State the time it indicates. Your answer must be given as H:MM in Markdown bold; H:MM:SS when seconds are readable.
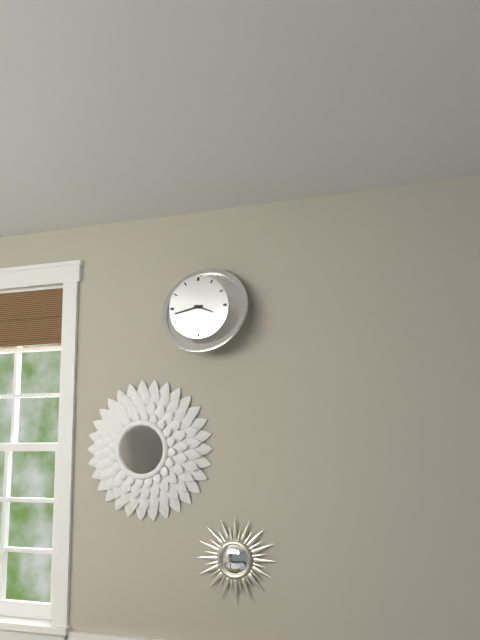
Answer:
**3:43**
